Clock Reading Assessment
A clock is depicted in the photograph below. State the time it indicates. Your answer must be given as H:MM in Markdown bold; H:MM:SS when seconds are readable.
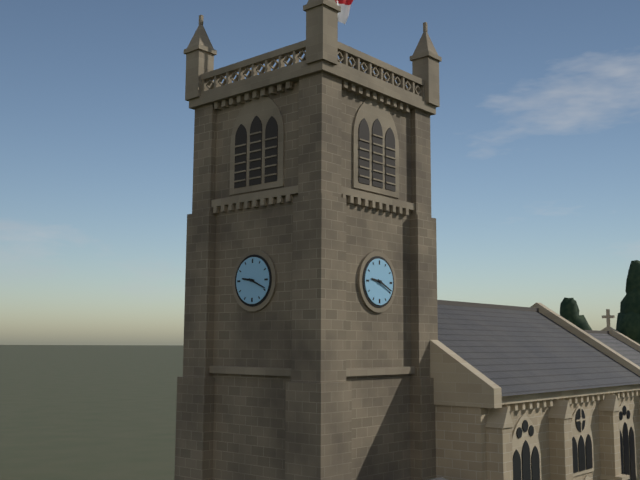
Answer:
**9:19**
